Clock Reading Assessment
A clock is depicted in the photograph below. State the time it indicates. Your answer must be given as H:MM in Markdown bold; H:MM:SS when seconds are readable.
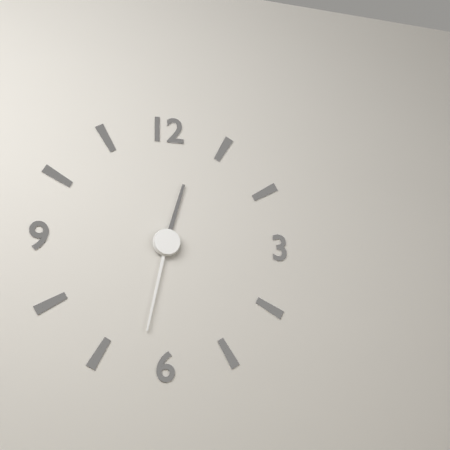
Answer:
**12:32**
